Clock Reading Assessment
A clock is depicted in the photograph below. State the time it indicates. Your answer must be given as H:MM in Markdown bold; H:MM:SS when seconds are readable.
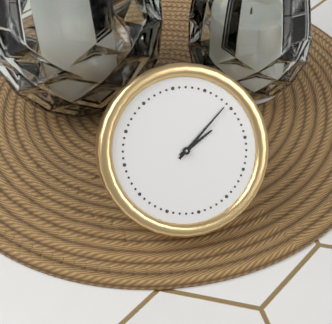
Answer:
**2:09**
